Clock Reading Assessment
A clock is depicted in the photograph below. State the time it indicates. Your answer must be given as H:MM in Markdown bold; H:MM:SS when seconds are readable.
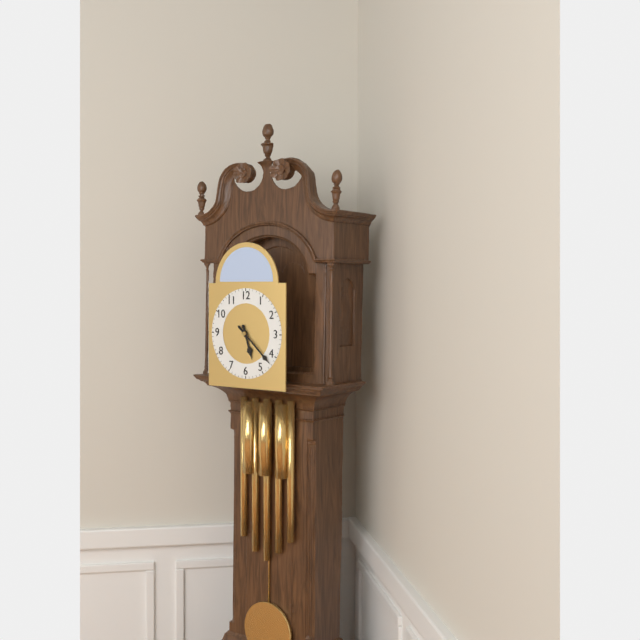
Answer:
**5:22**
